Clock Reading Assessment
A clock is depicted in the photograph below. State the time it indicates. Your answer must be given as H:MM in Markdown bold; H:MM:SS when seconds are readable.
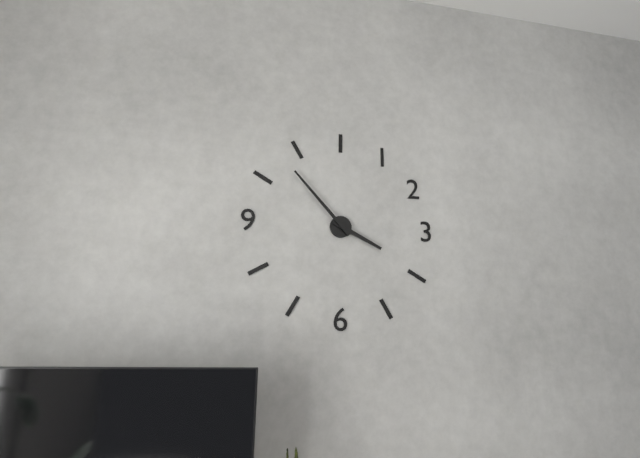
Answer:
**3:53**
